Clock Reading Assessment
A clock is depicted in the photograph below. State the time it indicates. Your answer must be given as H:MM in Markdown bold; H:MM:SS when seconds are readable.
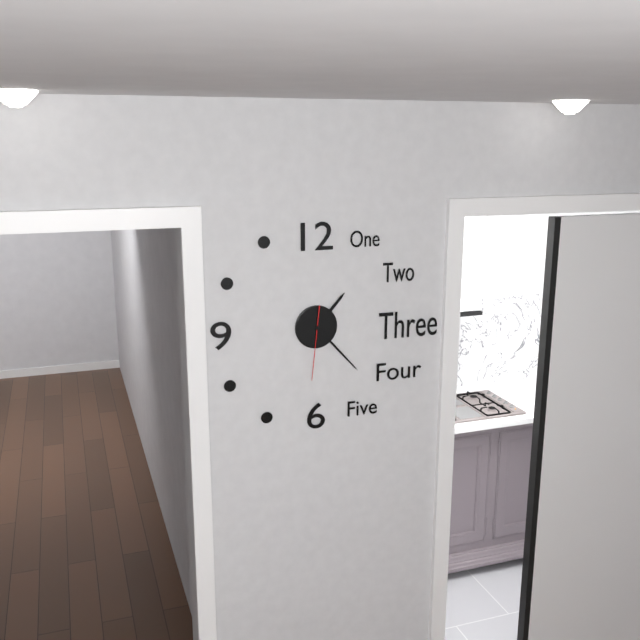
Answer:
**1:23:31**
